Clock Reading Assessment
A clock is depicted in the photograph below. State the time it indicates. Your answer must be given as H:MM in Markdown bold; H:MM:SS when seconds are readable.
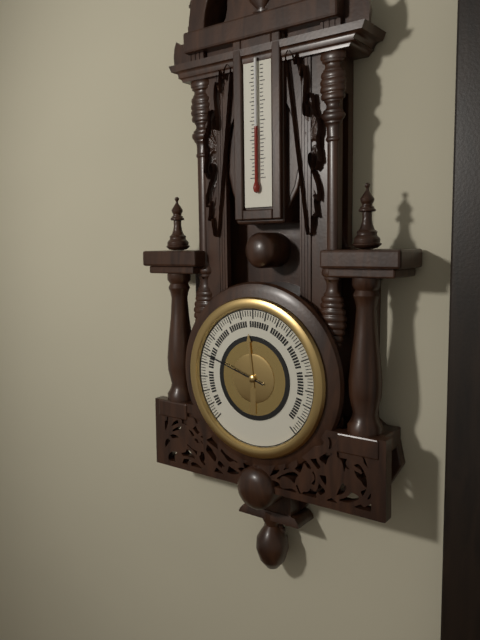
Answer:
**11:48**
